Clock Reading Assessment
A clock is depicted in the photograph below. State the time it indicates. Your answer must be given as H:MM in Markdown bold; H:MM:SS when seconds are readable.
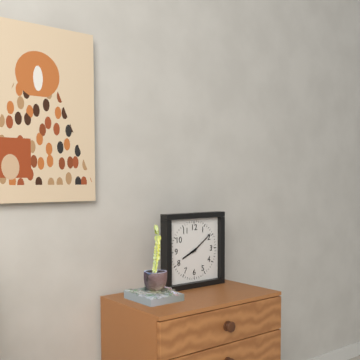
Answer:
**8:09**
